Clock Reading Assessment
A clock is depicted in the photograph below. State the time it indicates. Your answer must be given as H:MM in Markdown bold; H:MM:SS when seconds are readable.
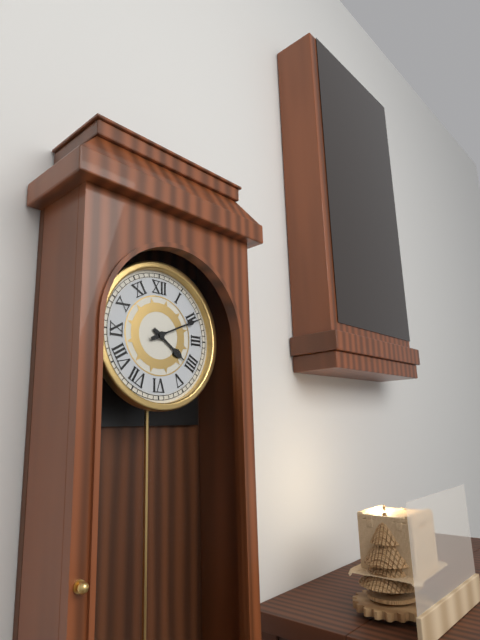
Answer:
**4:11**
